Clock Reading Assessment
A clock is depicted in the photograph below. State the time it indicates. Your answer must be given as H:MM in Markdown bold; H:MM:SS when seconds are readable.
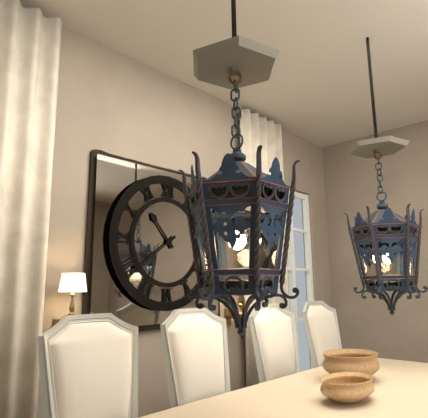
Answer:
**10:39**
